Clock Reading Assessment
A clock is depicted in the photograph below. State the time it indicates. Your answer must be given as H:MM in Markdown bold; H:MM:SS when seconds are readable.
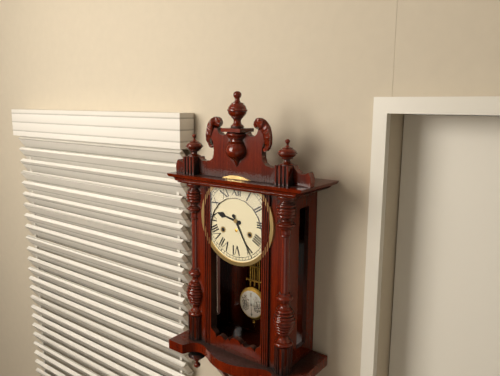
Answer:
**9:25**
